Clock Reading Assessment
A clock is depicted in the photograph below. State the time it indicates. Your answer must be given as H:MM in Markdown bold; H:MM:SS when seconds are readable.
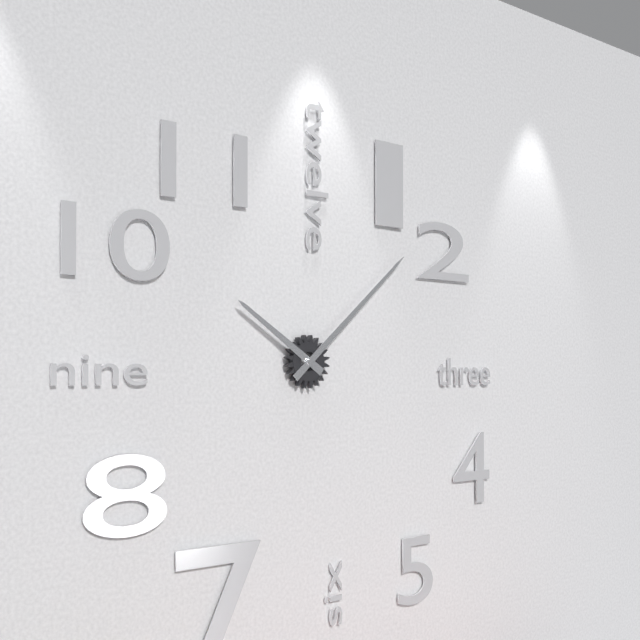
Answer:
**10:08**
